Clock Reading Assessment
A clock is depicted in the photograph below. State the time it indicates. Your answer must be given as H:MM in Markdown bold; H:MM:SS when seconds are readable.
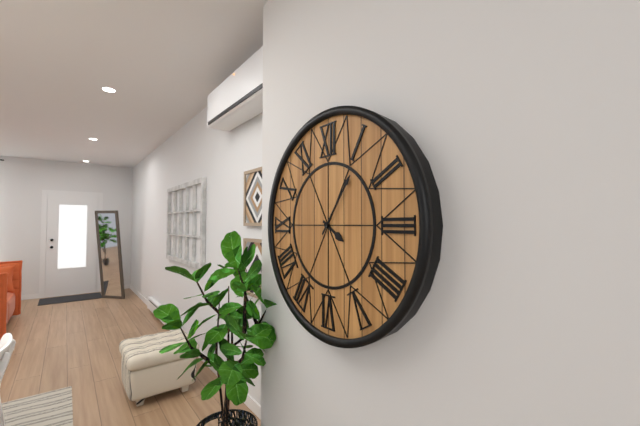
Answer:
**4:06**
